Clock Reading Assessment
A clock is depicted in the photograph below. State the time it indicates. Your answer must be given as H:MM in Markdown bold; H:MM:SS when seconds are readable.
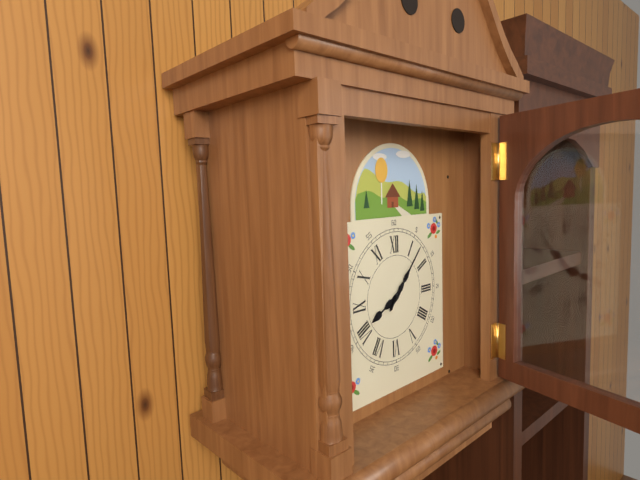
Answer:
**8:07**
